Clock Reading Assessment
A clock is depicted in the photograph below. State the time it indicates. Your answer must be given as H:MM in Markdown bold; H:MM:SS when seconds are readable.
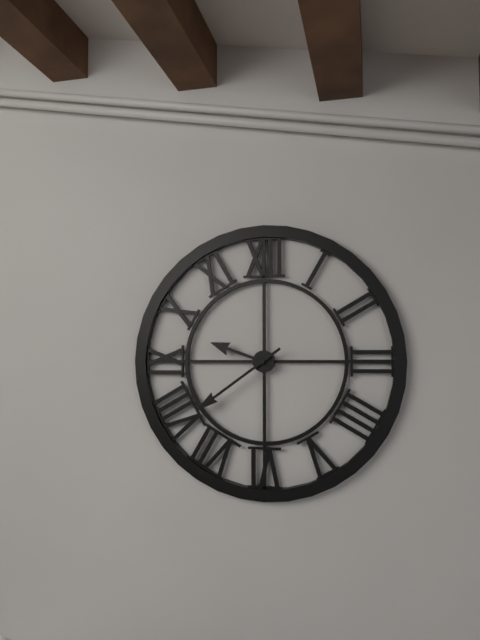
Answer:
**9:39**
